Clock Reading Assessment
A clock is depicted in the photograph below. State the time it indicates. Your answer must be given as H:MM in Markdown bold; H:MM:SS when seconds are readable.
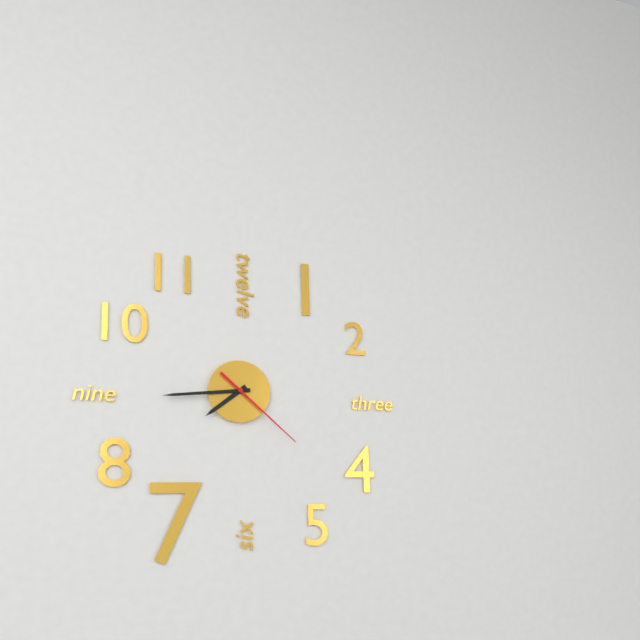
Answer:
**7:44:22**
